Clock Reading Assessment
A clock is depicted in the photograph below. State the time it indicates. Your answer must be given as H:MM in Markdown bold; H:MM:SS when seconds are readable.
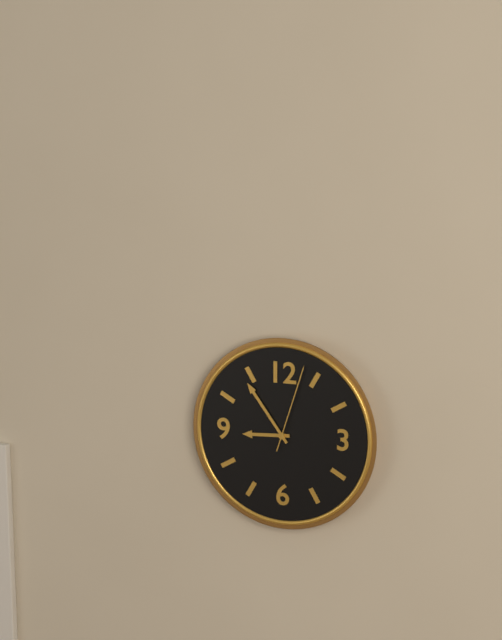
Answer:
**8:54:03**
